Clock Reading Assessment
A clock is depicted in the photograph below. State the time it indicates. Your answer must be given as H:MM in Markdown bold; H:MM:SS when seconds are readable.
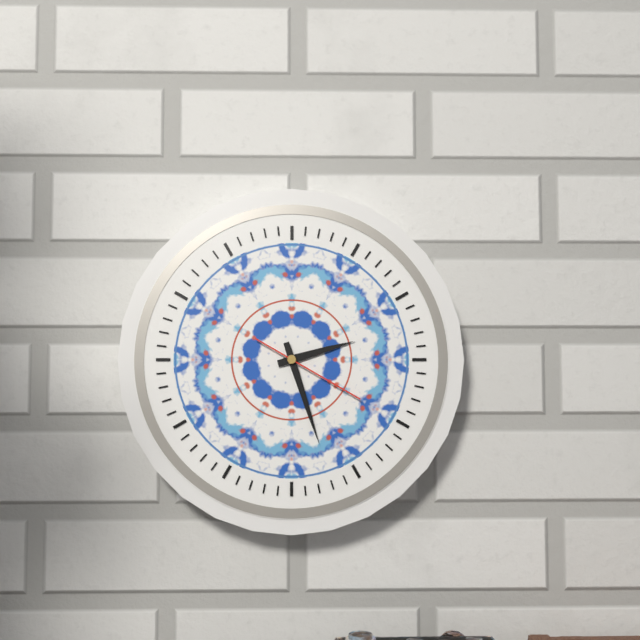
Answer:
**2:27:20**
